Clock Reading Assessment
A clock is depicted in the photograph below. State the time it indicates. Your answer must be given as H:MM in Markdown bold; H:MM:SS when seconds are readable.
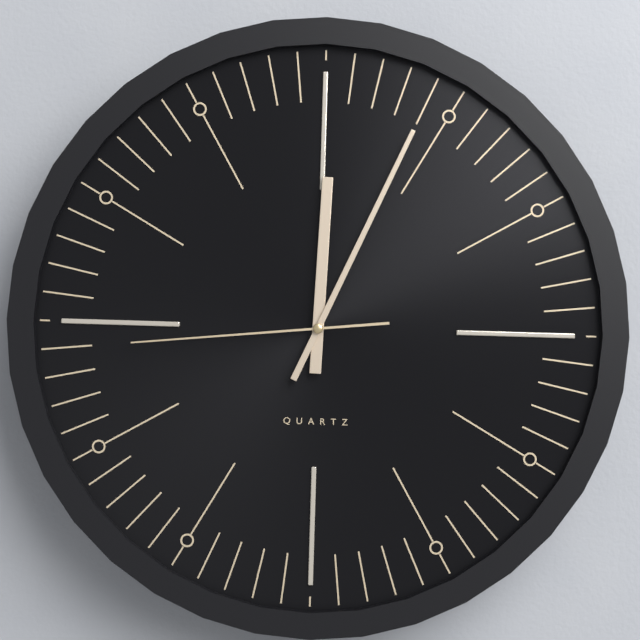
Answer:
**12:04:44**
